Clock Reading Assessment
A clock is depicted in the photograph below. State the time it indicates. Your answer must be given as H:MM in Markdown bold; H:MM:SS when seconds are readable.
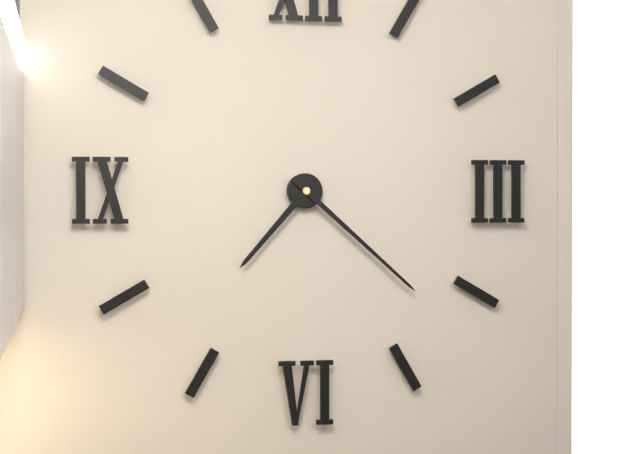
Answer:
**7:22**
